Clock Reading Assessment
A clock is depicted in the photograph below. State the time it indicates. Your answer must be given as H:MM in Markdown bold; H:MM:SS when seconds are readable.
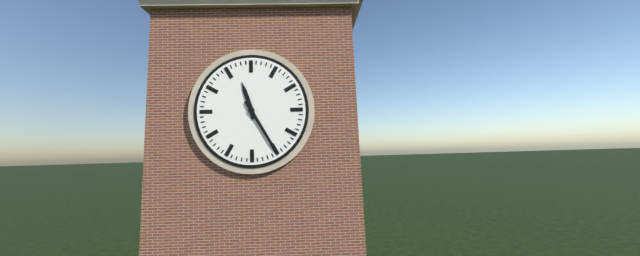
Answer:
**11:25**
